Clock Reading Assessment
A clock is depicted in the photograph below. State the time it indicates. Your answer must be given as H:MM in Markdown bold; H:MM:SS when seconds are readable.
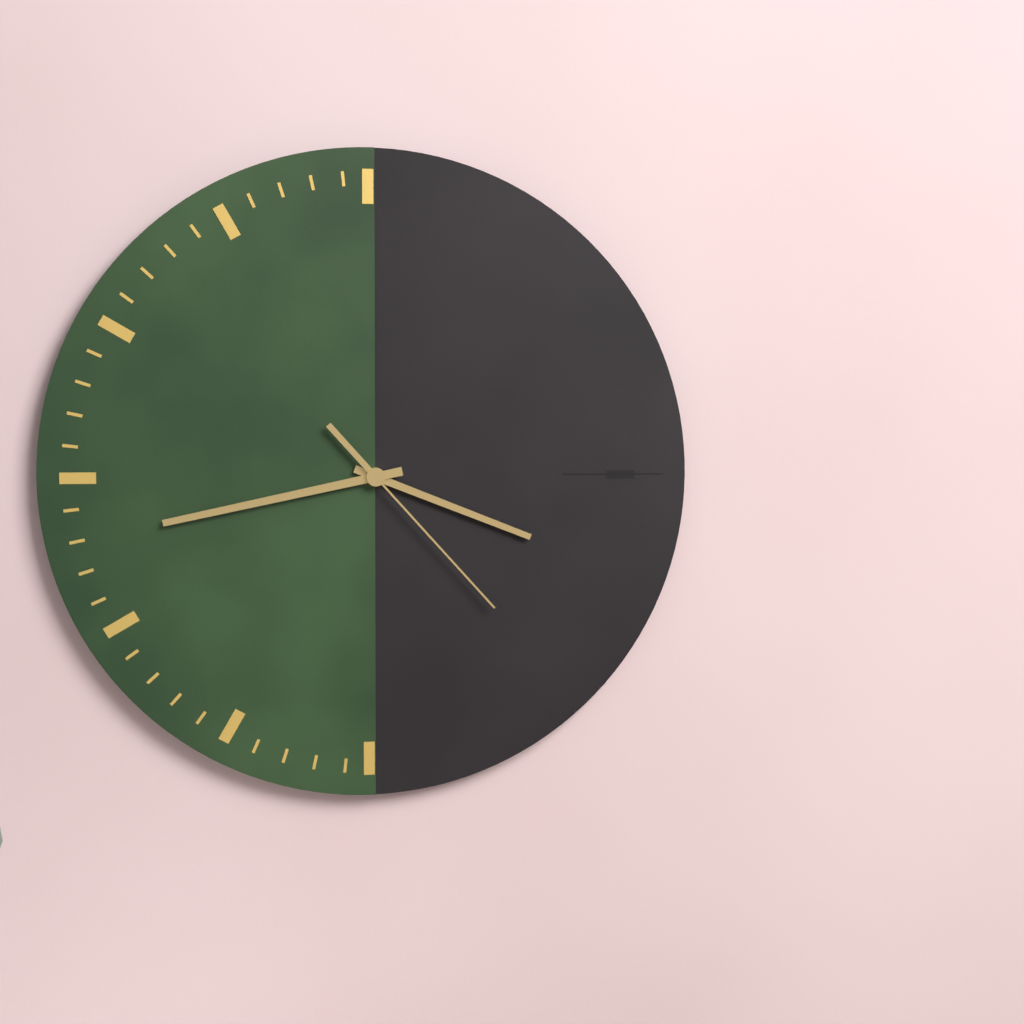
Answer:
**3:43:23**
